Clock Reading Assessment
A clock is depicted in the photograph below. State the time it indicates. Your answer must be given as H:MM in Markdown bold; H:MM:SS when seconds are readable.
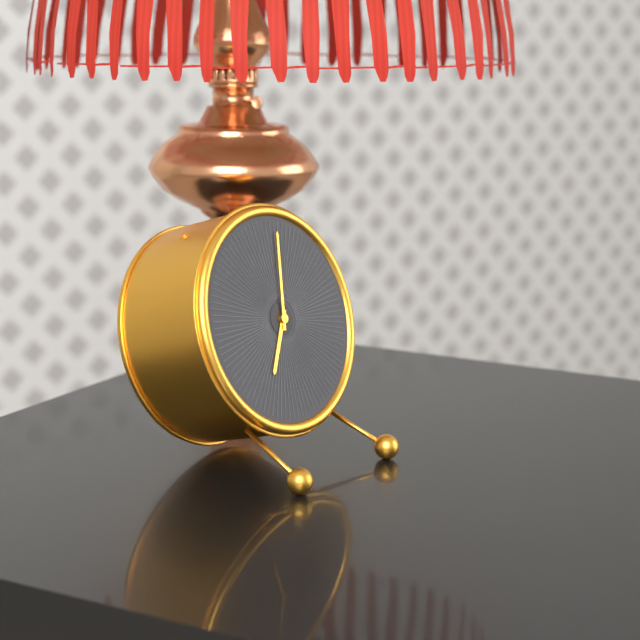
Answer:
**7:02**
